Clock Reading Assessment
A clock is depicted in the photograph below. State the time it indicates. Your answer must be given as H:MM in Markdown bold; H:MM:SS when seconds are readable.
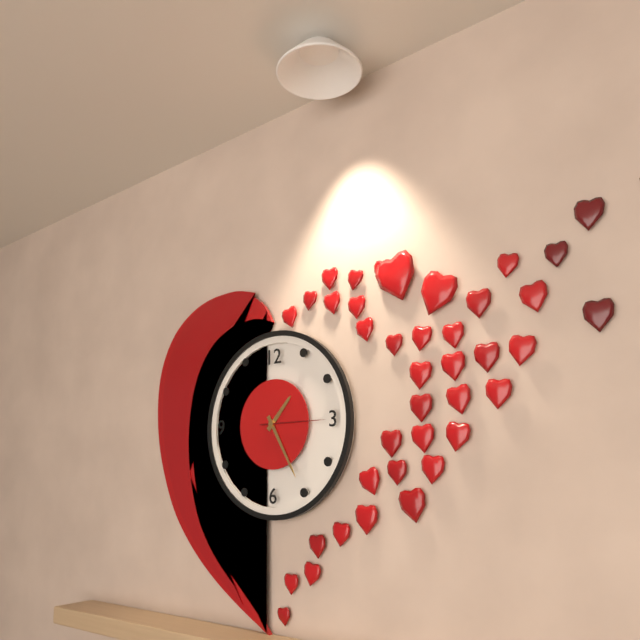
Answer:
**1:25:15**
